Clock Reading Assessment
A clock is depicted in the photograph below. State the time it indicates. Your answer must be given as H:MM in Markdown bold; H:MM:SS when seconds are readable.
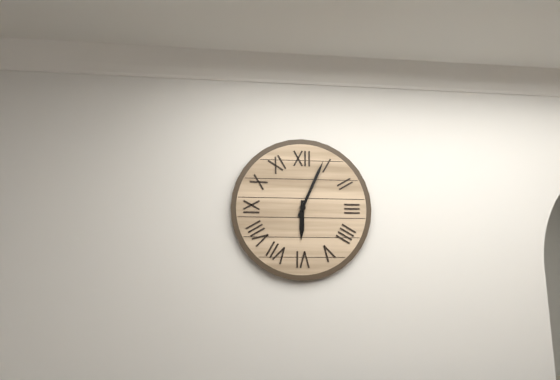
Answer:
**6:04**
